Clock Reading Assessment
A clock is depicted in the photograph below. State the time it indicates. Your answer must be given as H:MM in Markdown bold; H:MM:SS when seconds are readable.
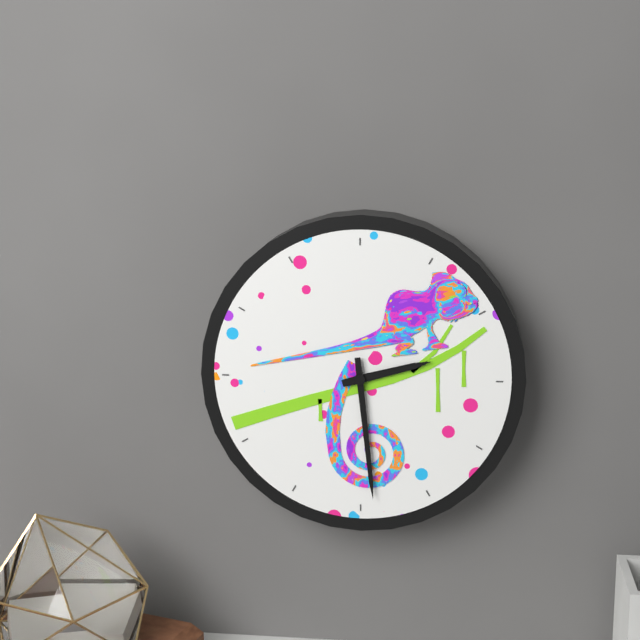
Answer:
**2:29**
